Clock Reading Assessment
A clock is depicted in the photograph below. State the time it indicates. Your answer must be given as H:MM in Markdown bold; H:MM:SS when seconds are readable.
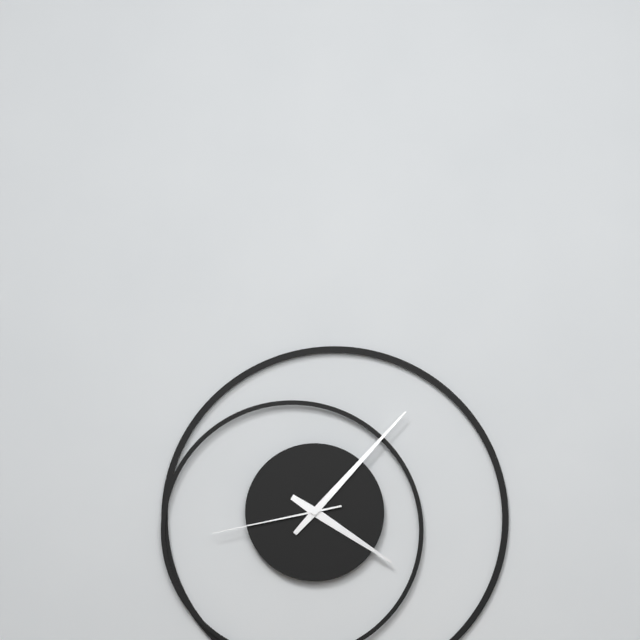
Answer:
**4:07:43**
